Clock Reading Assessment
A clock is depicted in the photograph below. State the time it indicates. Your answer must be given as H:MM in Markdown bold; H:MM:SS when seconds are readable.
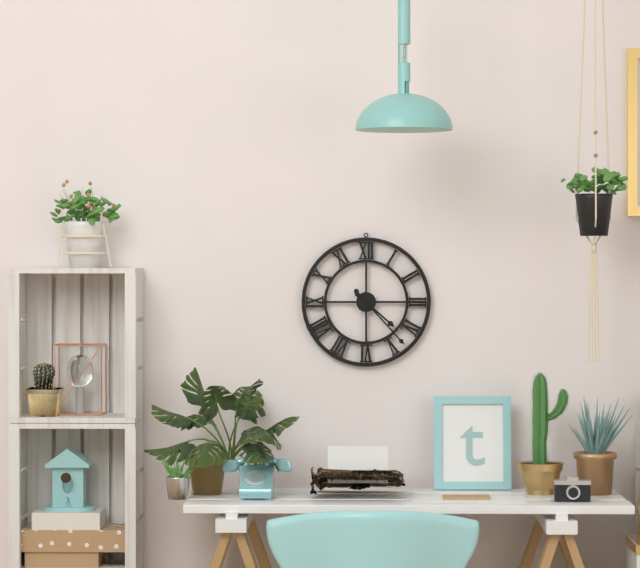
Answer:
**4:23**
